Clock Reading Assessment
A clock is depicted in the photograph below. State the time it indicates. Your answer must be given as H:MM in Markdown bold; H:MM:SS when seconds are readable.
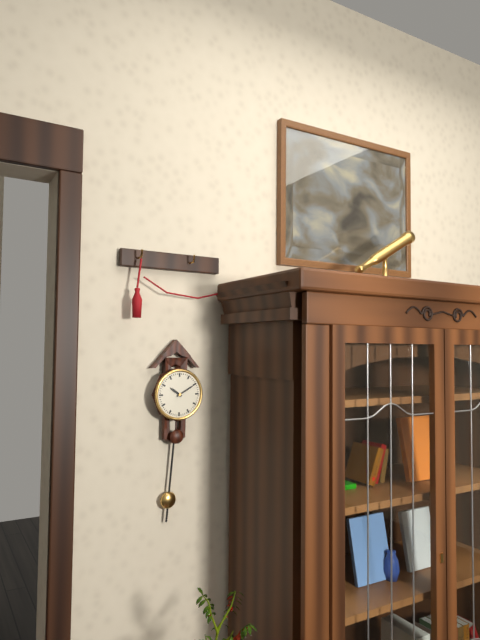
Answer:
**10:10**
